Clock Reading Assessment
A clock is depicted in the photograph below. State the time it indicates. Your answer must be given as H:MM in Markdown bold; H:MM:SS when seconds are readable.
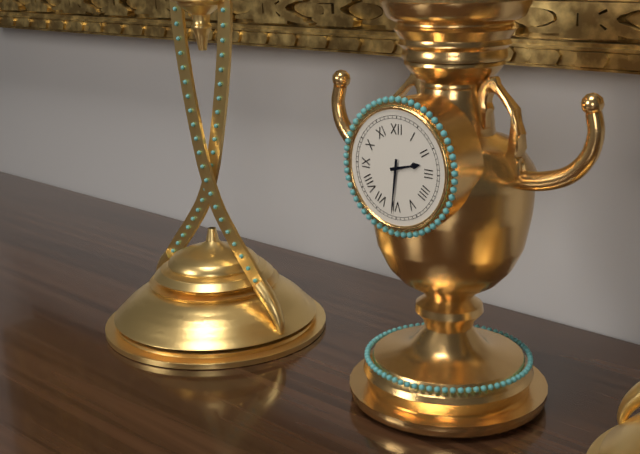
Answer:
**2:31**
